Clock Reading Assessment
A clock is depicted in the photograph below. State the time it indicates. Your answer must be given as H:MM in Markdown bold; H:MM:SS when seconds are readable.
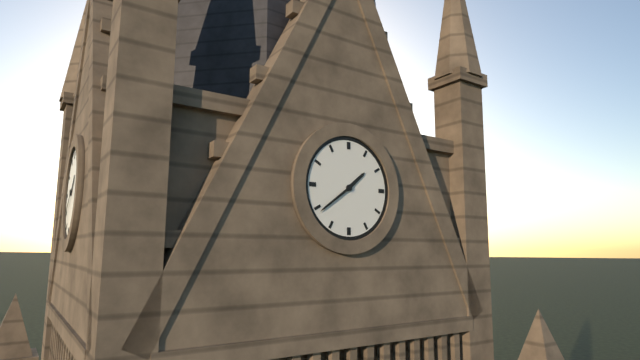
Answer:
**1:39**
